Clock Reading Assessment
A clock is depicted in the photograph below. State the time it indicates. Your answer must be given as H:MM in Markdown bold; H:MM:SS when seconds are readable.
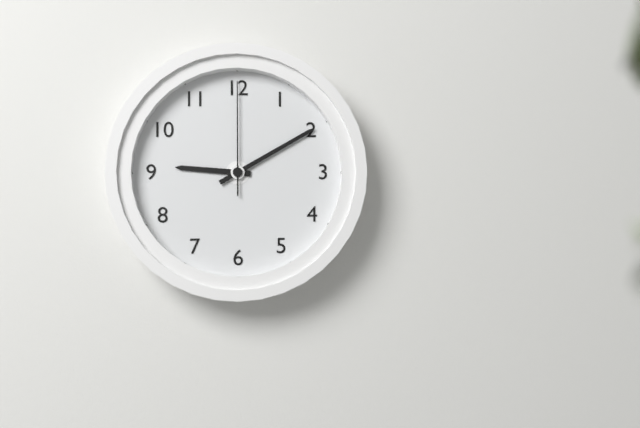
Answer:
**9:10:00**
